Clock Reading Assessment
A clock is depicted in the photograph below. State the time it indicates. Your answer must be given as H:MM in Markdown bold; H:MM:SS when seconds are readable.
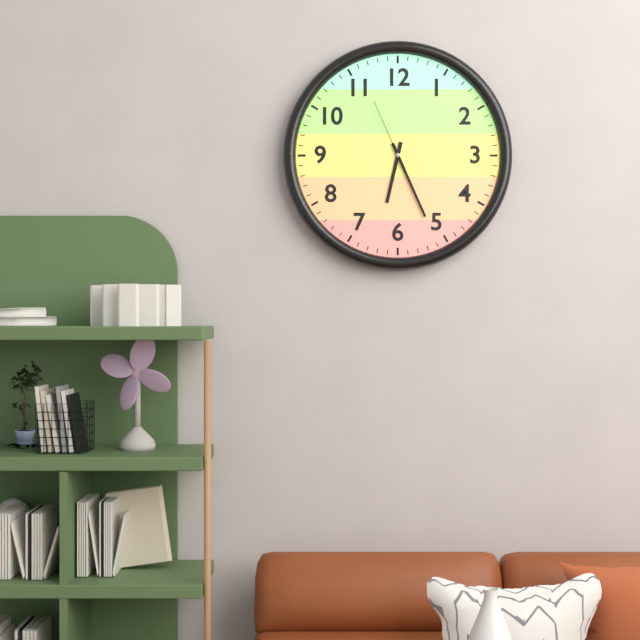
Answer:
**6:26:56**
